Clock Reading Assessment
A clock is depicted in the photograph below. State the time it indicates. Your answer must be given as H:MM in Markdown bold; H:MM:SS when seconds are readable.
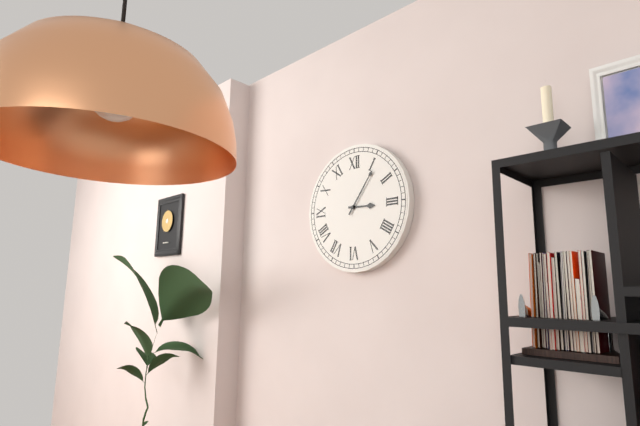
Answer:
**3:06**
